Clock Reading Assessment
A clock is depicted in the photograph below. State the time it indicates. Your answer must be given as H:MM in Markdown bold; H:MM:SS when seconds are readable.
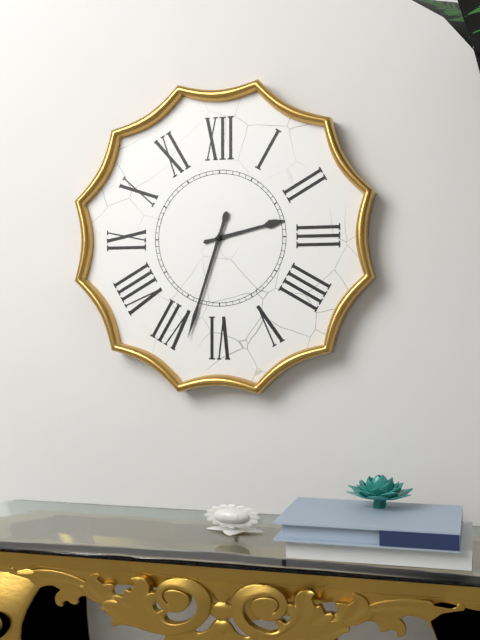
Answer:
**2:33**
